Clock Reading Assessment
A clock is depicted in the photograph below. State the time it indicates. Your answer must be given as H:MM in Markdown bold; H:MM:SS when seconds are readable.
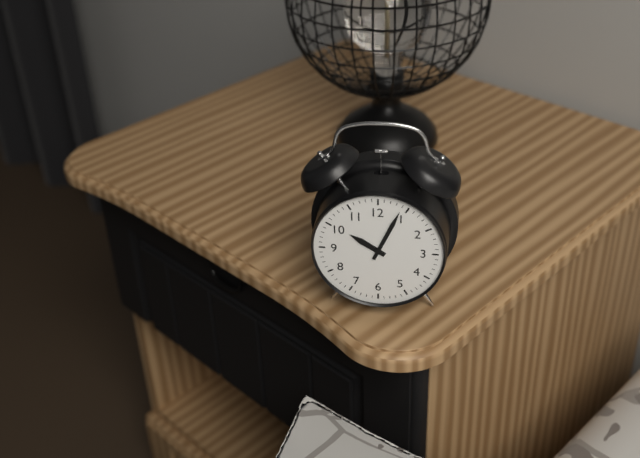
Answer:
**10:04**
